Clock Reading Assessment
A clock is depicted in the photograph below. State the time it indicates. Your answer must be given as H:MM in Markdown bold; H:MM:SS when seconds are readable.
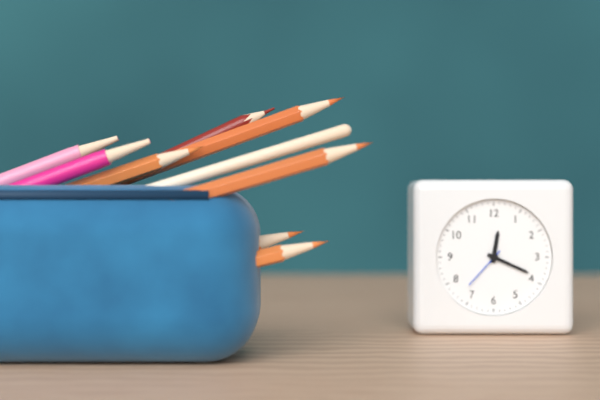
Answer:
**12:19**
